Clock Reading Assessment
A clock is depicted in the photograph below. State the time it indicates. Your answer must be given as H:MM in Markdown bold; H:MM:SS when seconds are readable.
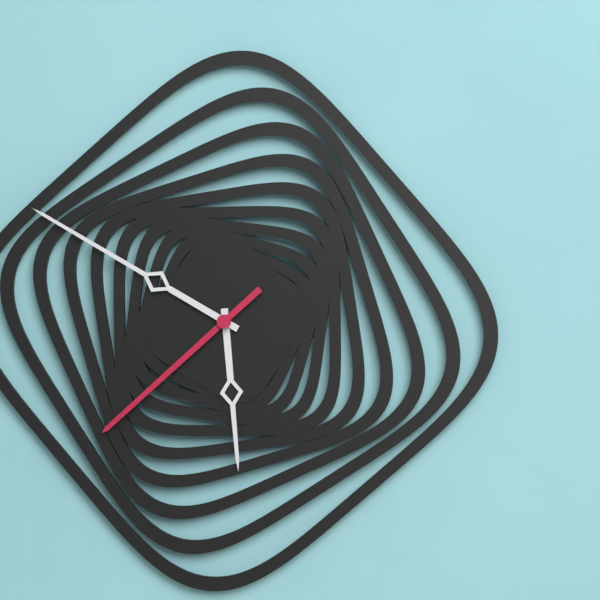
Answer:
**5:50:38**
